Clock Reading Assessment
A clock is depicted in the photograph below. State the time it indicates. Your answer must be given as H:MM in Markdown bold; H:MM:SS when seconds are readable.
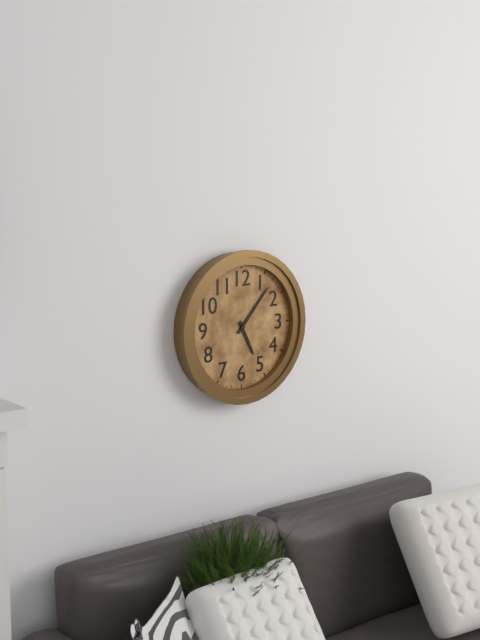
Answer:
**5:07**
